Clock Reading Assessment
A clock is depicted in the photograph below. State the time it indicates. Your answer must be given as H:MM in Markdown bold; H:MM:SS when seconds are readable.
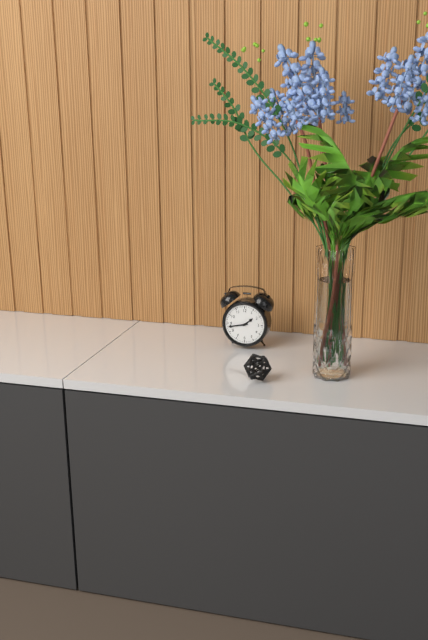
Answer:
**1:43**
